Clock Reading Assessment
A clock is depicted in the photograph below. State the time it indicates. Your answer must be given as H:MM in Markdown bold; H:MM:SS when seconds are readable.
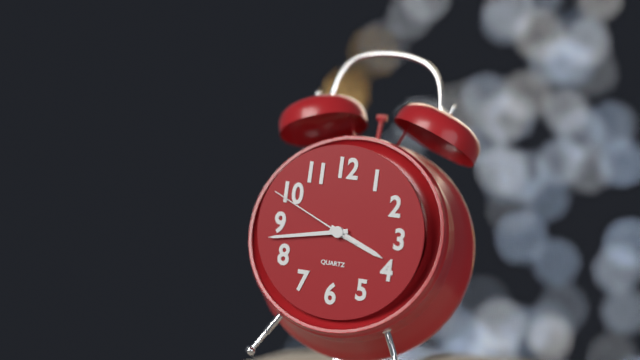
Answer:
**3:43:49**
